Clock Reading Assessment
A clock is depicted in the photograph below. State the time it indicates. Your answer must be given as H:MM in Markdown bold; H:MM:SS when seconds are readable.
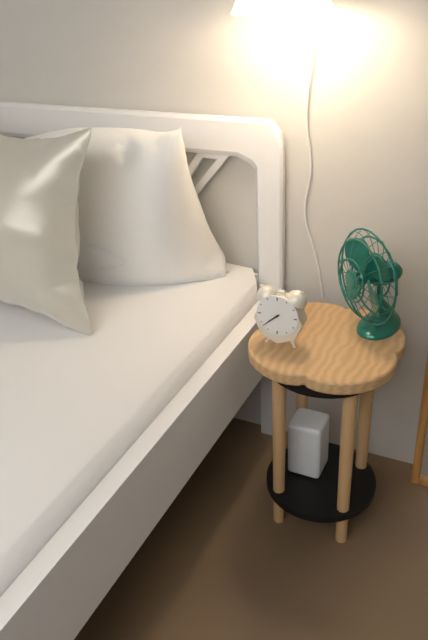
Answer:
**7:38**
